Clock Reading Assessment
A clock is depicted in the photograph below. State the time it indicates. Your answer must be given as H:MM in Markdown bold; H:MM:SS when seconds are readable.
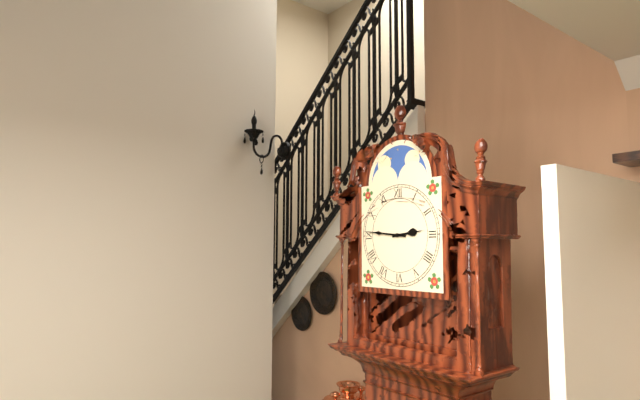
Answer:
**2:46**
